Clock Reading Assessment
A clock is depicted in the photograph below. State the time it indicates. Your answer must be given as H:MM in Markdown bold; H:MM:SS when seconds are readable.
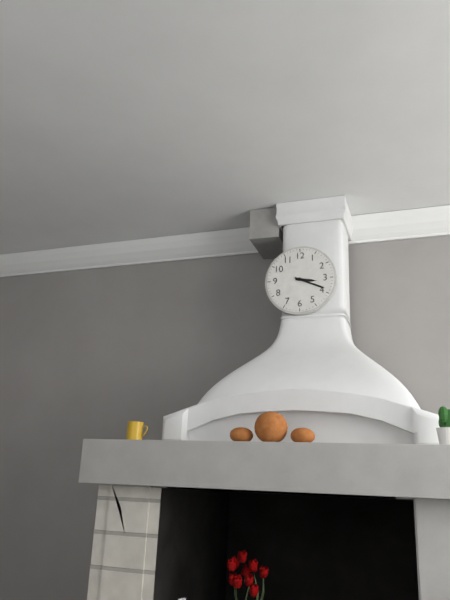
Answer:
**3:19**
